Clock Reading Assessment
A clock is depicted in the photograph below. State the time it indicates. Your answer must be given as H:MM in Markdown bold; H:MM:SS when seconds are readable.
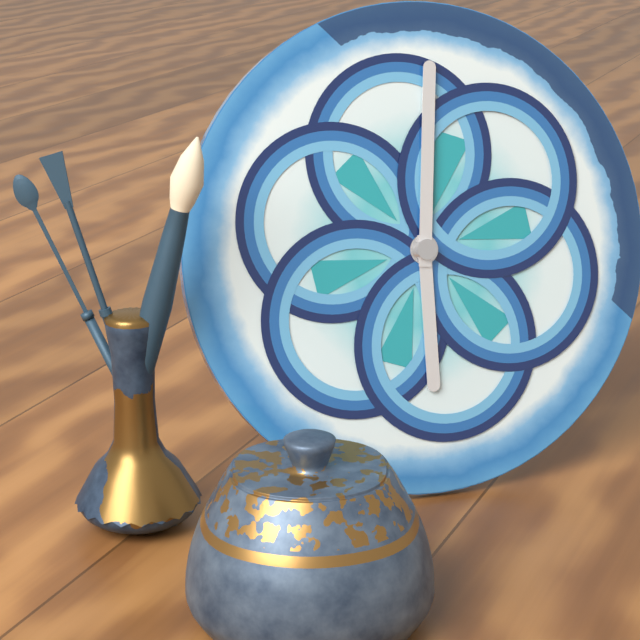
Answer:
**6:01**
